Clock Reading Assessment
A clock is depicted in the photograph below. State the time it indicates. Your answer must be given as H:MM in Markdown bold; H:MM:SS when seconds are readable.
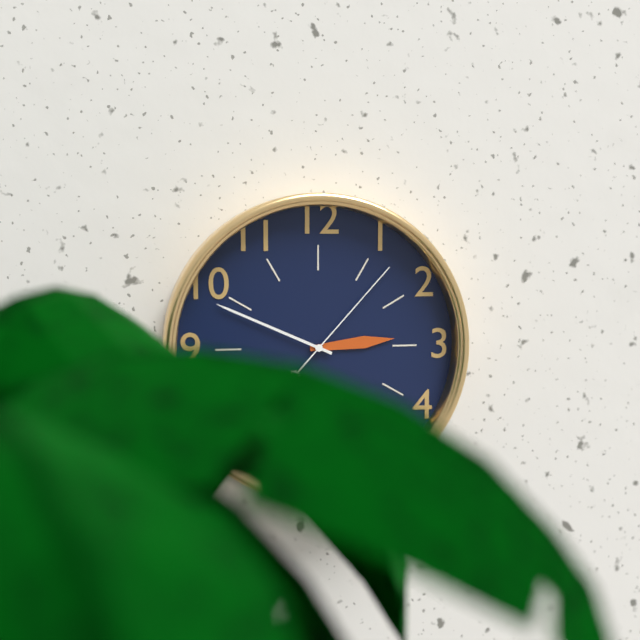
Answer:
**2:49:07**
